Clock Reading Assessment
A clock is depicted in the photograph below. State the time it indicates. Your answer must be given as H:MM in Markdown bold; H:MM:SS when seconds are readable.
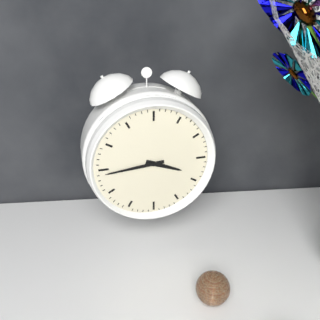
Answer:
**3:44**
